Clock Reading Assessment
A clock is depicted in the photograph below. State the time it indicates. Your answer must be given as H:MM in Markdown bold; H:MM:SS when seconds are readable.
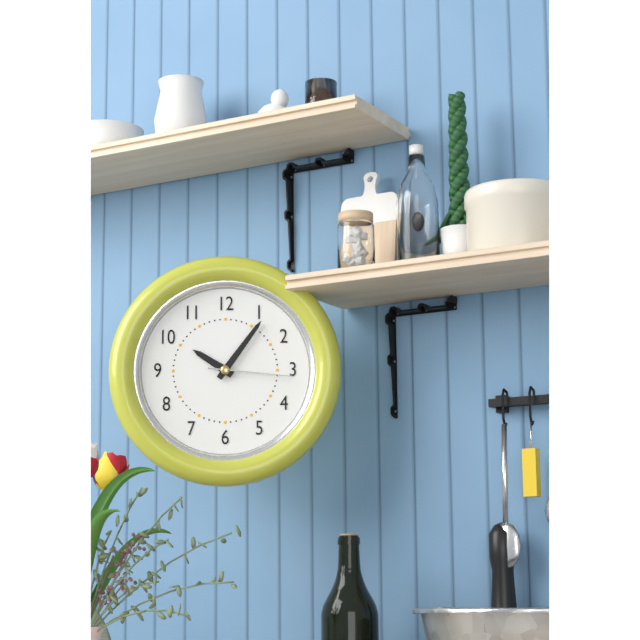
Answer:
**10:06:16**
